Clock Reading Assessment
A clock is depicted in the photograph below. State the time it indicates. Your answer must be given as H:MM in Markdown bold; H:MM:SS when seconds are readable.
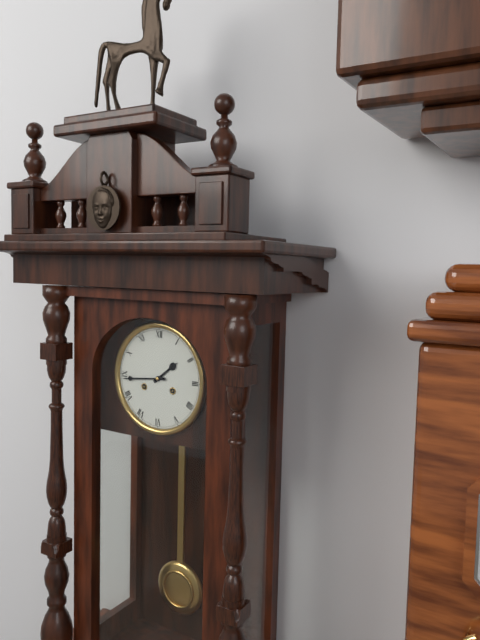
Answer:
**1:44**
